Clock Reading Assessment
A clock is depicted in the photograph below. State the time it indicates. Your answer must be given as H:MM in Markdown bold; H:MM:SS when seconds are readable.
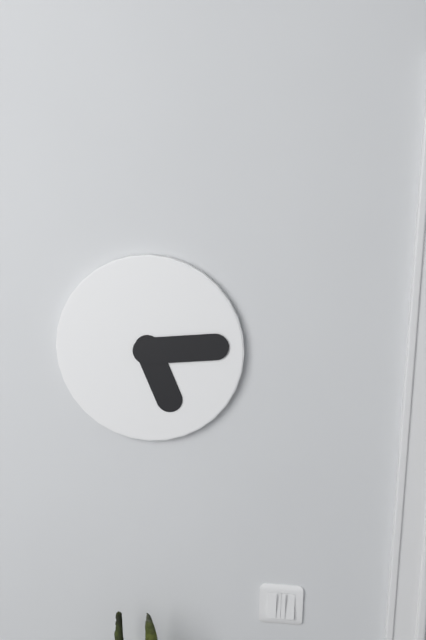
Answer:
**5:14**
